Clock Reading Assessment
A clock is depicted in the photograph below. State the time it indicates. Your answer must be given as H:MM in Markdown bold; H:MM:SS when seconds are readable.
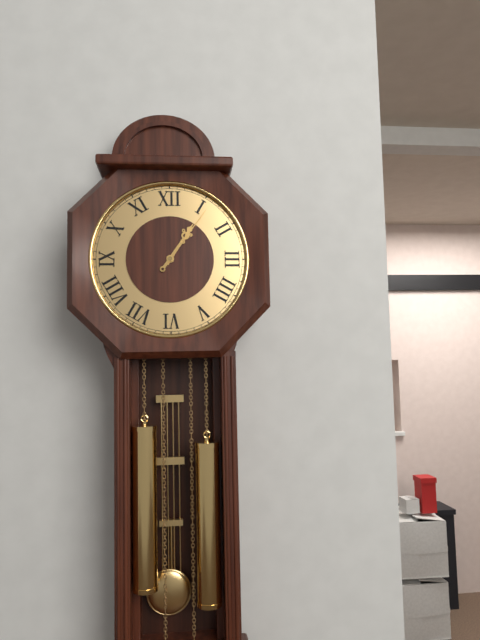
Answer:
**1:06**
